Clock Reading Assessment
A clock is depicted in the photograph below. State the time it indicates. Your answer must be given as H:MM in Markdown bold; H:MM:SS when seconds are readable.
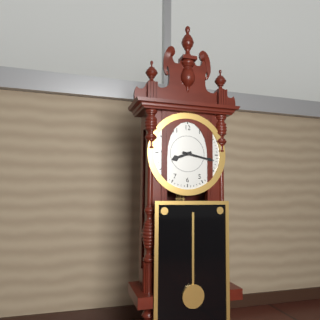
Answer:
**8:17**
